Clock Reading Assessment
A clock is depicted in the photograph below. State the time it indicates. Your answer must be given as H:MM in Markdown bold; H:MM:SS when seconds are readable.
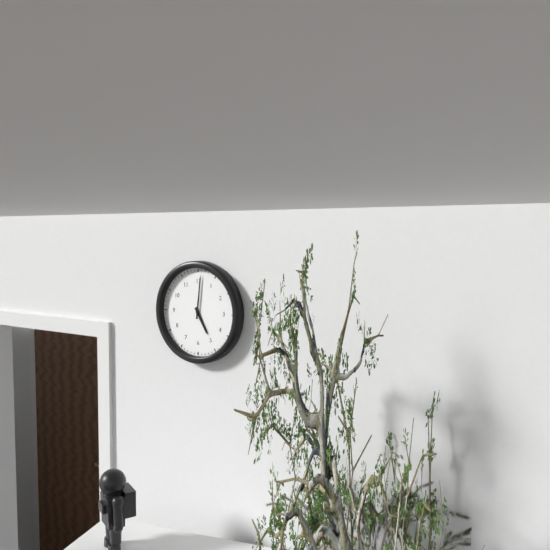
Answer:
**5:01**
